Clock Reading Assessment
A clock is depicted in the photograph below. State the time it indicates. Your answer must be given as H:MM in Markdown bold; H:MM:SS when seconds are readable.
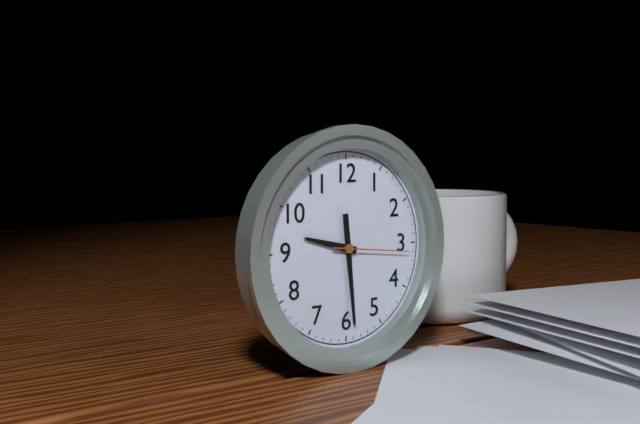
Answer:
**9:29:16**
